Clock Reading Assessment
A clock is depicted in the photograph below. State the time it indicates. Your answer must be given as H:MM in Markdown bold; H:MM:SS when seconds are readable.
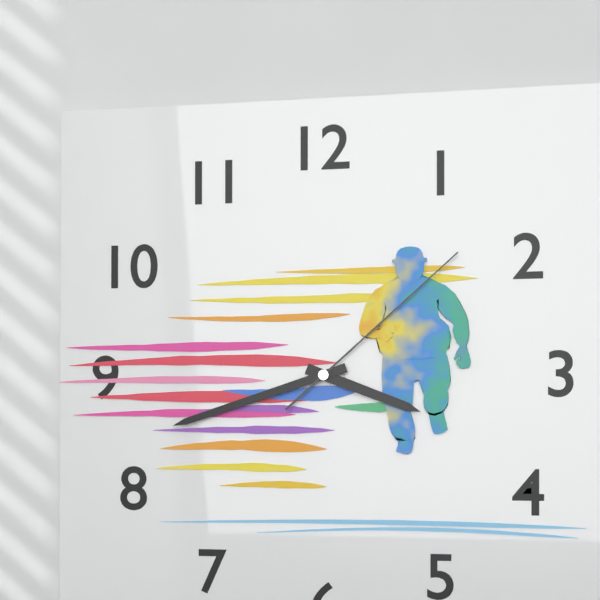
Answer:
**3:42:08**
